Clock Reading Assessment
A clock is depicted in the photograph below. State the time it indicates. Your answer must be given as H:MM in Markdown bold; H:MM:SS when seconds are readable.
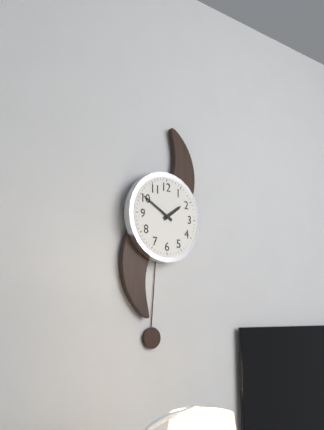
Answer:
**1:50**
